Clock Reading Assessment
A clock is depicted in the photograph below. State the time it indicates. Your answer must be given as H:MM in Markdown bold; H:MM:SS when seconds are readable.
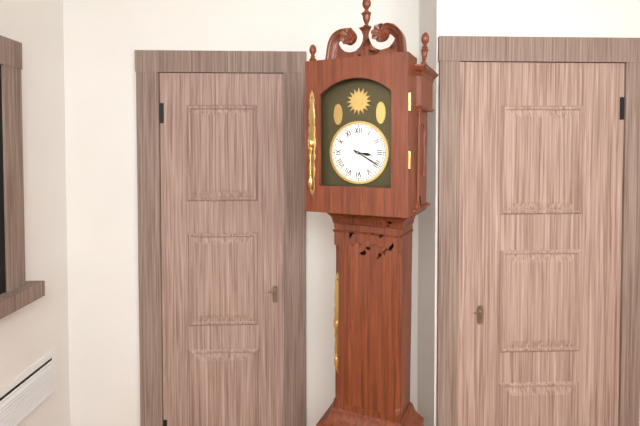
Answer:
**3:20**
